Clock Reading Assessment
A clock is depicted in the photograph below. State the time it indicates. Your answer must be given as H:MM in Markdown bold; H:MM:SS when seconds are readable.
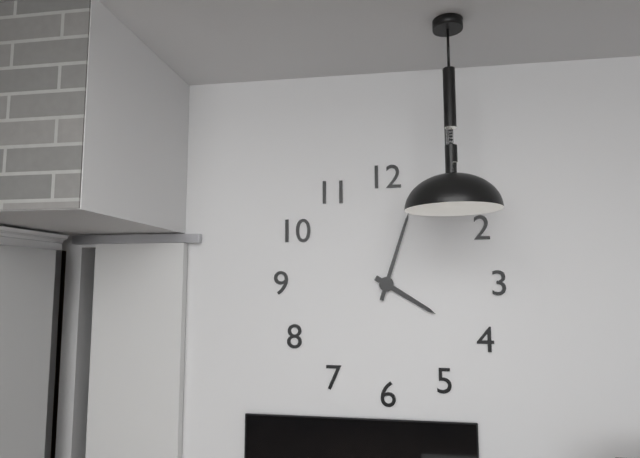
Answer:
**4:03**
